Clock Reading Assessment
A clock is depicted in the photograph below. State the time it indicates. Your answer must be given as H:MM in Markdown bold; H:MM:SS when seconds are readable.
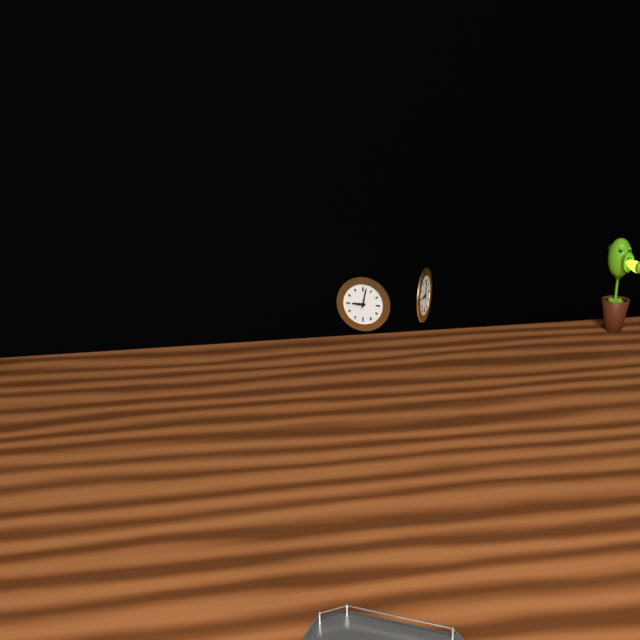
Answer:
**9:02**
